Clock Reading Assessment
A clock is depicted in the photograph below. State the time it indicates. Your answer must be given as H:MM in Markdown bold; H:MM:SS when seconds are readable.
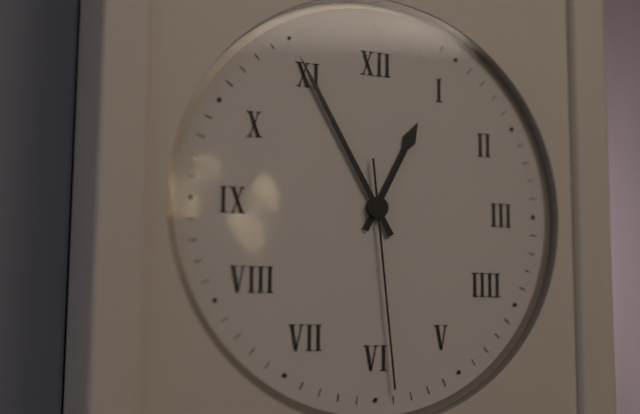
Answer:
**12:55:29**
